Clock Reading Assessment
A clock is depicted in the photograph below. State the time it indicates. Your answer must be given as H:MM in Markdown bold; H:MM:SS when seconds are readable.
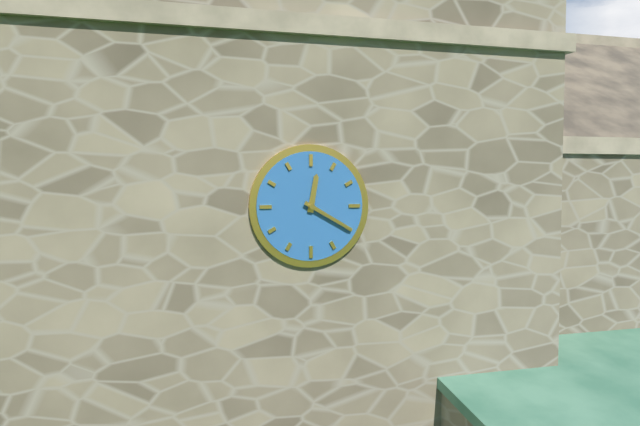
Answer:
**12:20**
